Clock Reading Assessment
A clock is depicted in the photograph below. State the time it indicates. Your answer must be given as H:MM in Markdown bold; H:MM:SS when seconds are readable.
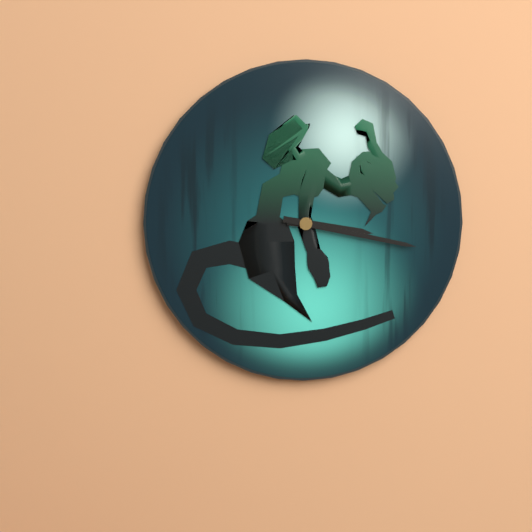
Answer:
**3:17**
